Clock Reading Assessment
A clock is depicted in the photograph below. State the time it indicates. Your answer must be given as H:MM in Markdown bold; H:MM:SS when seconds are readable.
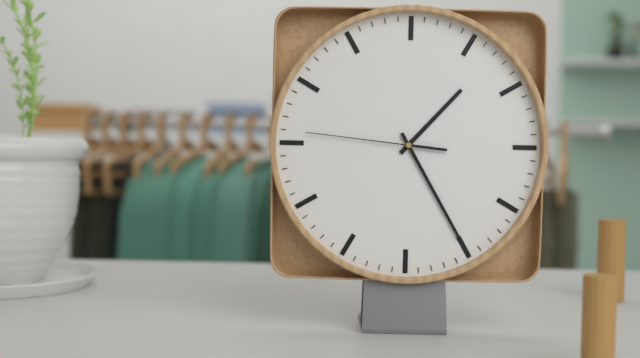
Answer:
**1:25:46**
